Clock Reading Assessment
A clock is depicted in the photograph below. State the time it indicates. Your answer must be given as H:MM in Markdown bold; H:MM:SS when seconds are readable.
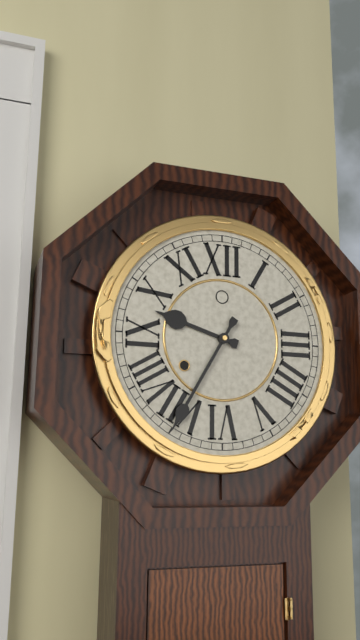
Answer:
**9:35**
